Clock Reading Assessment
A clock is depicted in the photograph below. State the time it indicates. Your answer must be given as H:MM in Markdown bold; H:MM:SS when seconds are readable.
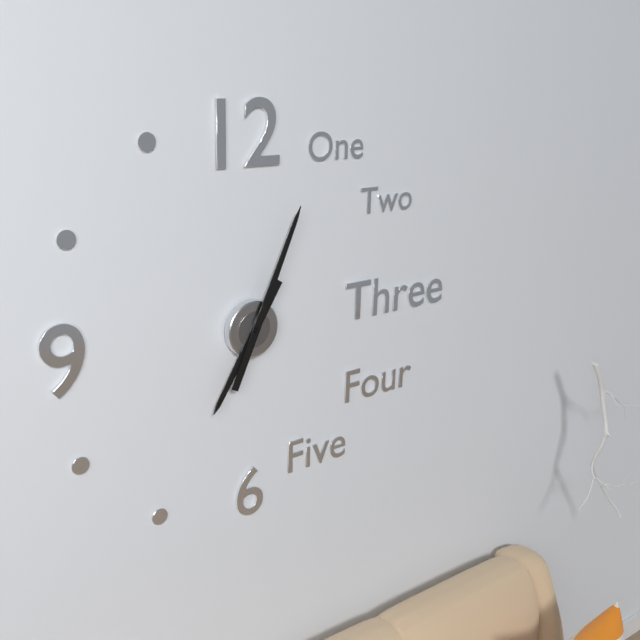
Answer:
**7:04**
